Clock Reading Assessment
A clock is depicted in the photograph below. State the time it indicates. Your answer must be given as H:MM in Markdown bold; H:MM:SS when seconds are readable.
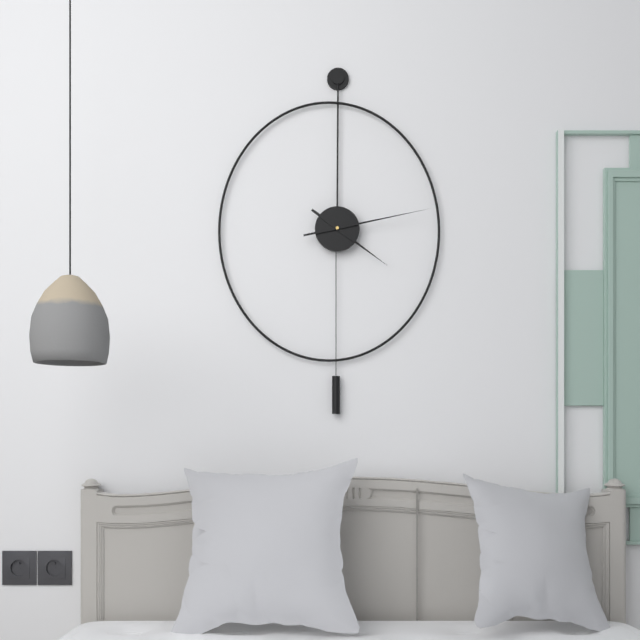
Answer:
**4:13**
